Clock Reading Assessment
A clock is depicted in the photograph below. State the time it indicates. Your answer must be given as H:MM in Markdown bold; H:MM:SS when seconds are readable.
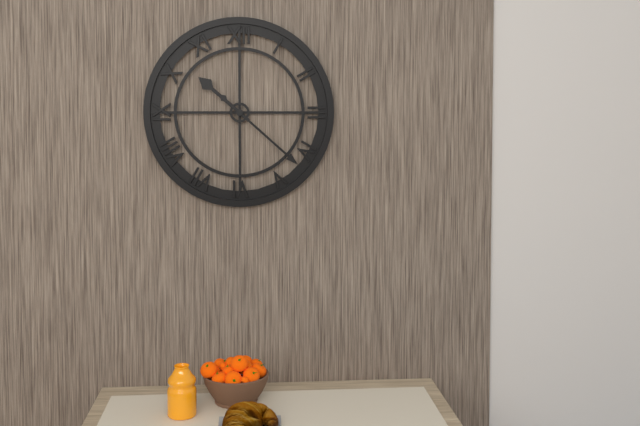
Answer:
**10:22**
